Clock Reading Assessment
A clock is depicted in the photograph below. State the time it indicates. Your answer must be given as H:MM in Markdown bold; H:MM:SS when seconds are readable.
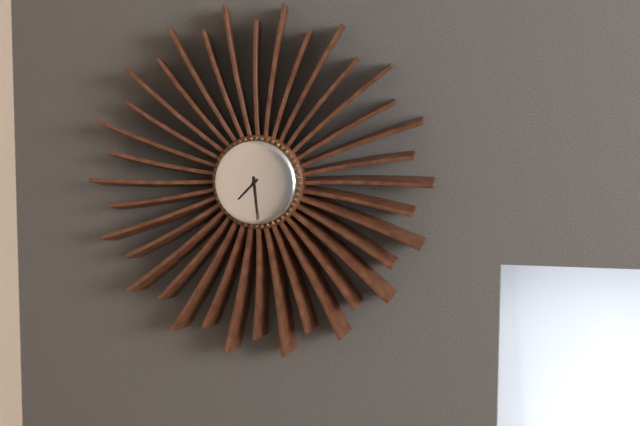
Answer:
**7:29**
